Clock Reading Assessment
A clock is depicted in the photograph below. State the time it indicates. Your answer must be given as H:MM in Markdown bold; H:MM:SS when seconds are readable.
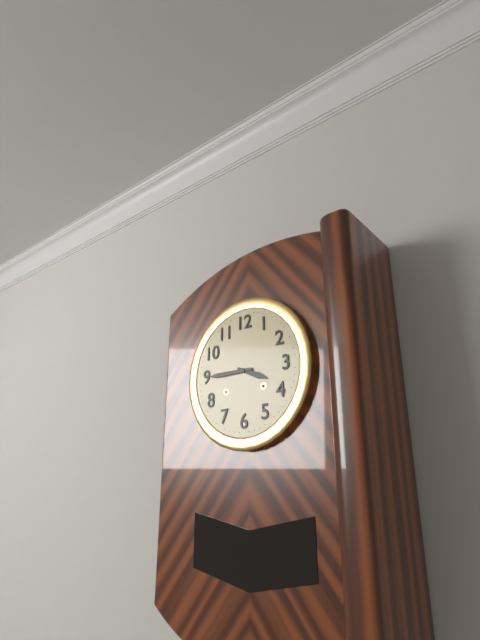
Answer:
**3:45**
